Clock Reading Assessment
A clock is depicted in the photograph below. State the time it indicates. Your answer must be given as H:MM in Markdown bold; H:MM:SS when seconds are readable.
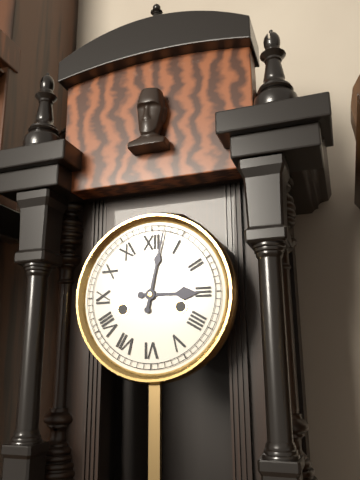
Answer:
**3:02**
